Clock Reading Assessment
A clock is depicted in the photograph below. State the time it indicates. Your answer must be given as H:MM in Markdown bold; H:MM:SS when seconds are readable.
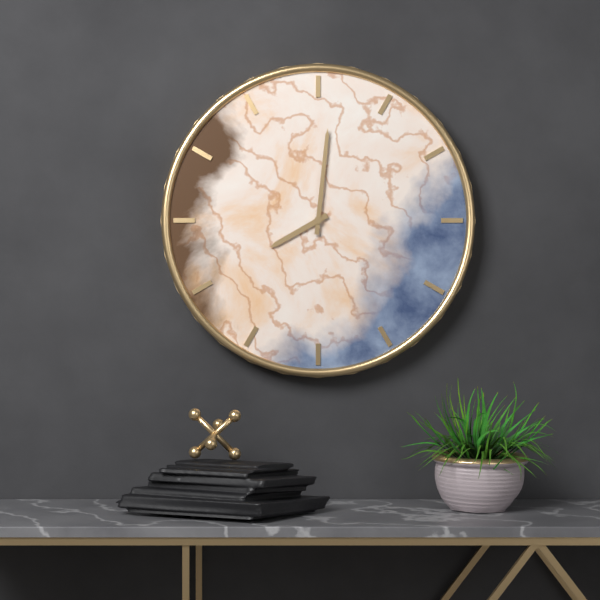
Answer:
**8:01**
